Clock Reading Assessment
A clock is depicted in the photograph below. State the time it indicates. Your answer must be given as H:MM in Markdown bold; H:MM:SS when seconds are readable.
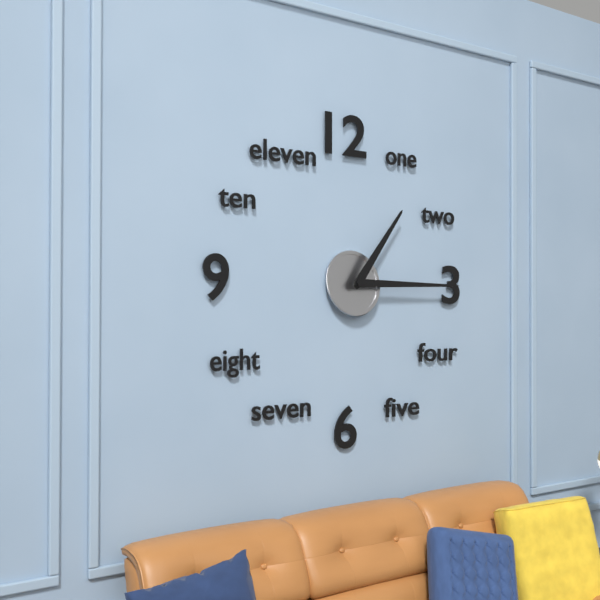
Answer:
**1:15**
